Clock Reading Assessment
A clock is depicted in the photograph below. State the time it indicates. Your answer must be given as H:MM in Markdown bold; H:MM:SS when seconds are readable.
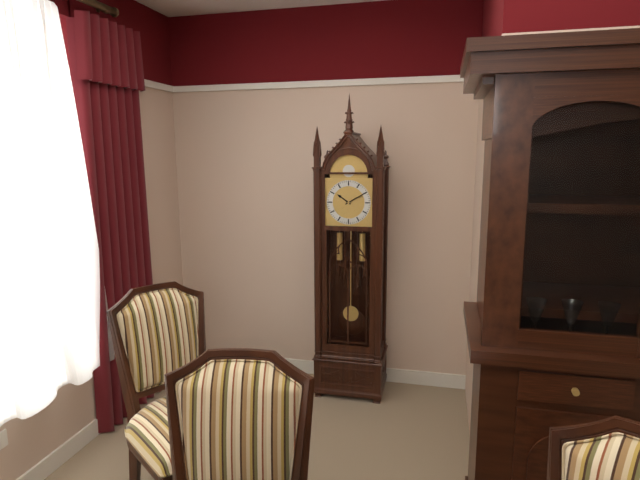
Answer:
**10:10**
